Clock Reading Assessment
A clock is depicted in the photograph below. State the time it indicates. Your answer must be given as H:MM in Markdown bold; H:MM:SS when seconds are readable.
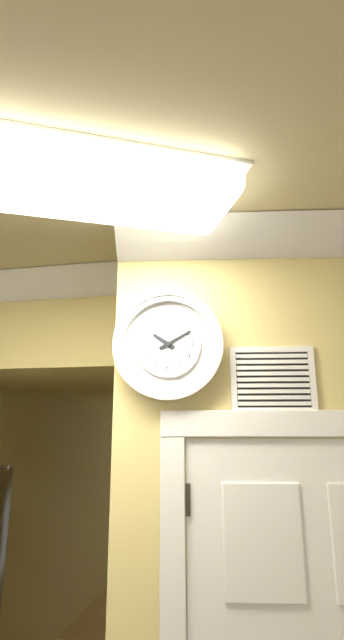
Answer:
**10:10**
